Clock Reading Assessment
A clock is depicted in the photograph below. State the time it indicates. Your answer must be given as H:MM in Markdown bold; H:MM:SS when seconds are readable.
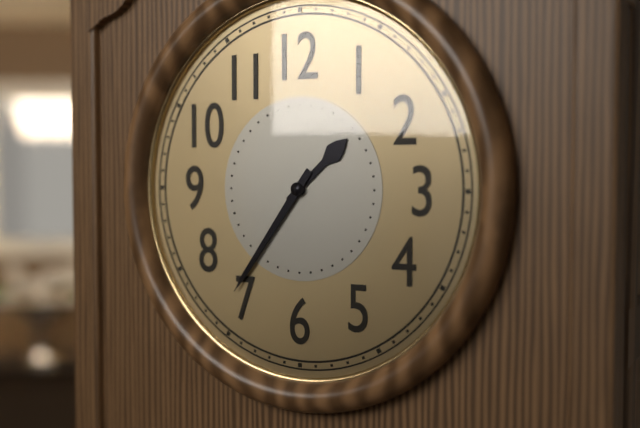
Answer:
**1:36**
